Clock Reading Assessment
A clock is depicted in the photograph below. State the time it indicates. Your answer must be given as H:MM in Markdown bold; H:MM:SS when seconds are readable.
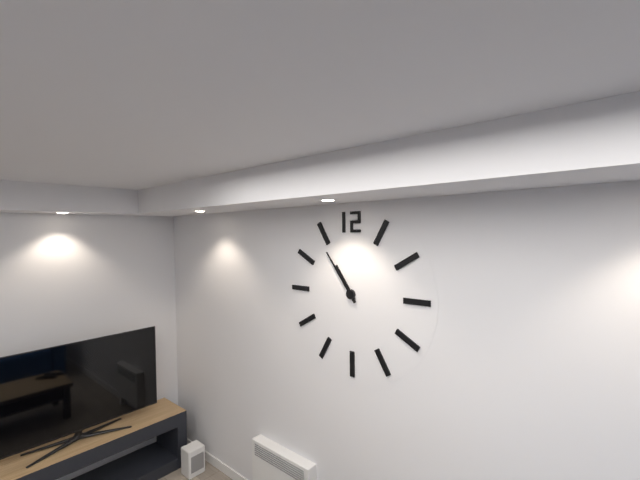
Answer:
**10:54**
